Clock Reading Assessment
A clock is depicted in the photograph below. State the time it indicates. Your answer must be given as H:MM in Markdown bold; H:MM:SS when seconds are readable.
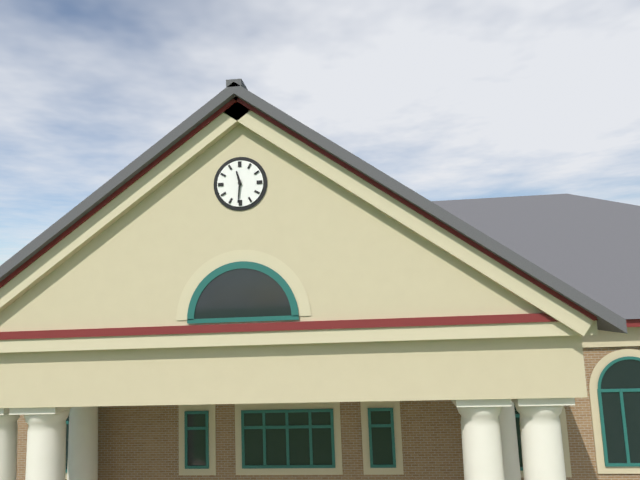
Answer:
**11:31**
